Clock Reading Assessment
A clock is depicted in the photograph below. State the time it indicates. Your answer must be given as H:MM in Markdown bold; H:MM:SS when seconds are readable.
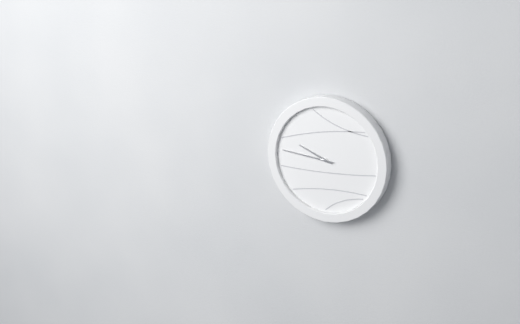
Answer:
**9:46**
